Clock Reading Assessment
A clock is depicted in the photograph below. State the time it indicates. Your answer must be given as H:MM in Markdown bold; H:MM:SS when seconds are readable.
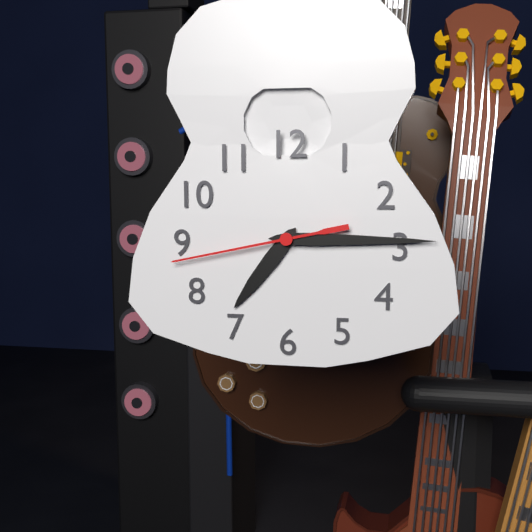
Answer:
**7:15:43**
